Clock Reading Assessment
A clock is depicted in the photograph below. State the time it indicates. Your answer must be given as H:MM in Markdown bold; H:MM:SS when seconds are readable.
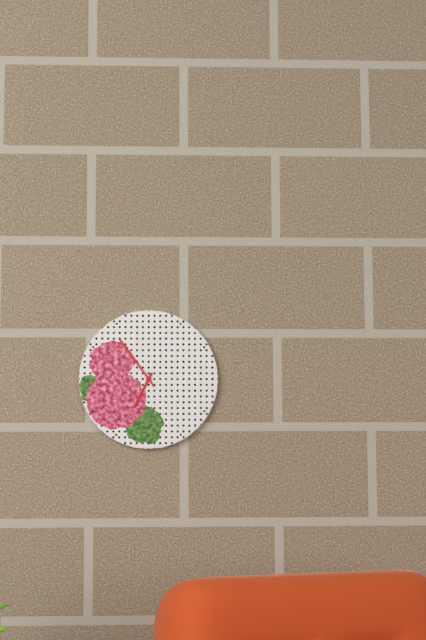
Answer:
**6:54**
